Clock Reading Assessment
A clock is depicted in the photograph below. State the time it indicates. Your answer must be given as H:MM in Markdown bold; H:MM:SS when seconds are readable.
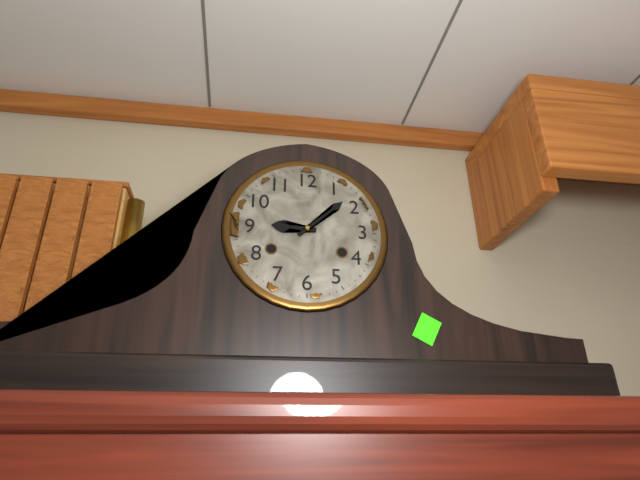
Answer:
**9:08**
